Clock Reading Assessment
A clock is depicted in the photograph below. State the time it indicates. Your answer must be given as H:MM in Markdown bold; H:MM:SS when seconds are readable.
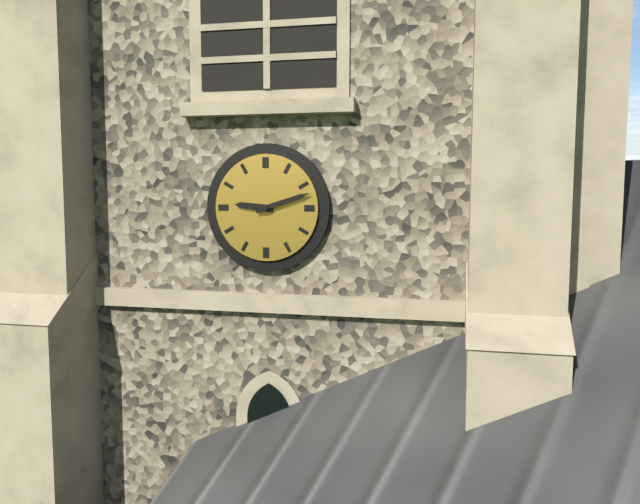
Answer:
**9:12**
